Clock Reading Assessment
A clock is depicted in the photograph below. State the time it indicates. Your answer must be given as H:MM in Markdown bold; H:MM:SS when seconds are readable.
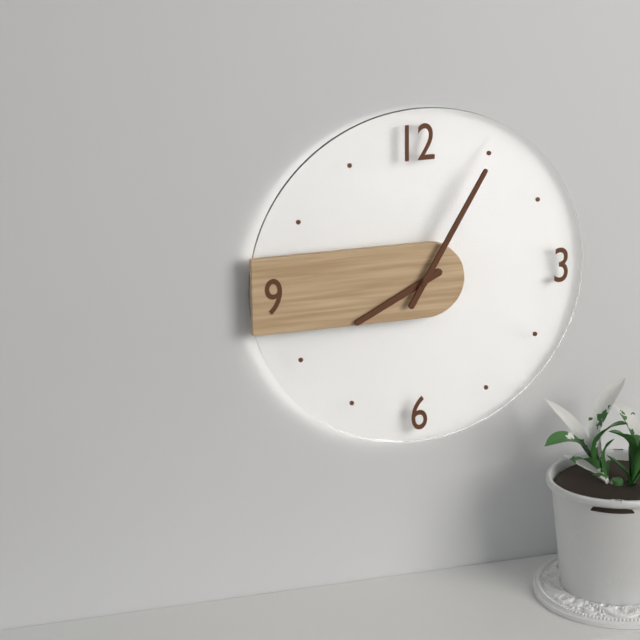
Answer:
**8:05**
